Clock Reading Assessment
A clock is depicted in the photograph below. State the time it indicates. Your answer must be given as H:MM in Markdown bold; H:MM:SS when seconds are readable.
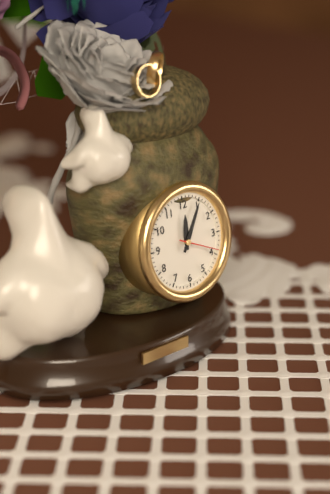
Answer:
**12:05**
